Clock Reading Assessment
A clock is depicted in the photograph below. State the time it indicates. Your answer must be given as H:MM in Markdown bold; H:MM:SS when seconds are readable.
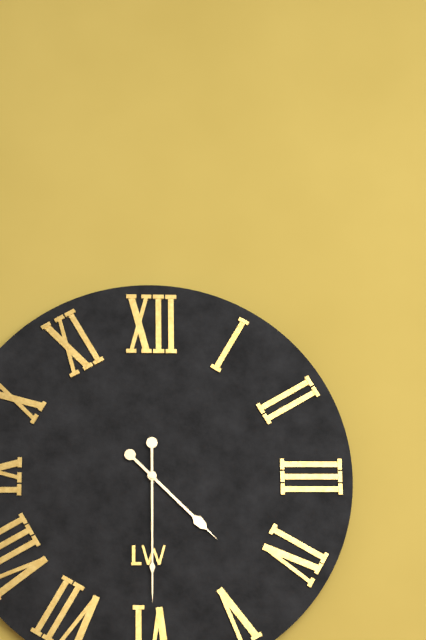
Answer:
**4:30:30**
